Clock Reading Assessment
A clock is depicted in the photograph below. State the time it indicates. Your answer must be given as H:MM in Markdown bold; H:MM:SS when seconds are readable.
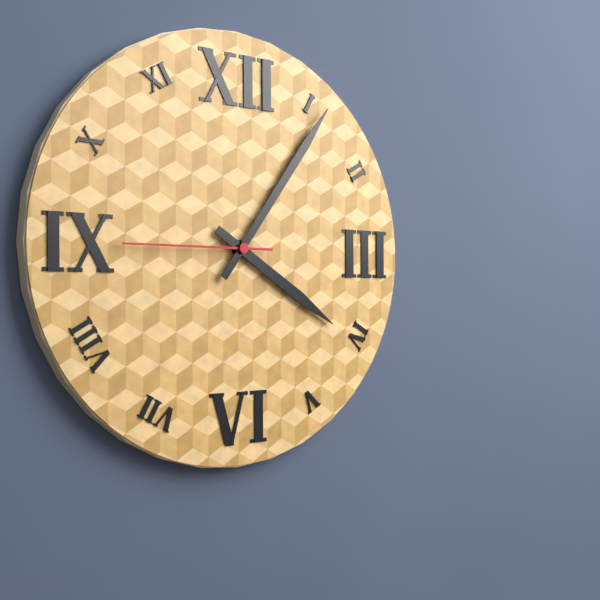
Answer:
**4:06:45**
